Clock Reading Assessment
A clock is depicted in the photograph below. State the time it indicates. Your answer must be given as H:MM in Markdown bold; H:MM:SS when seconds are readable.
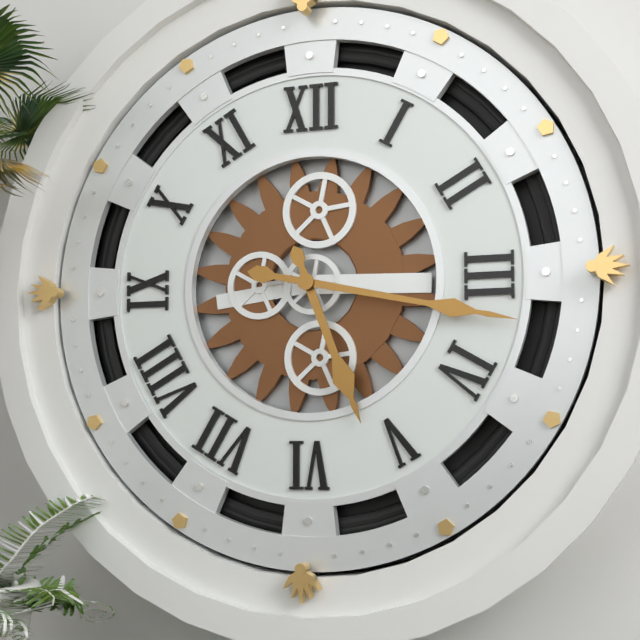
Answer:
**5:17**
